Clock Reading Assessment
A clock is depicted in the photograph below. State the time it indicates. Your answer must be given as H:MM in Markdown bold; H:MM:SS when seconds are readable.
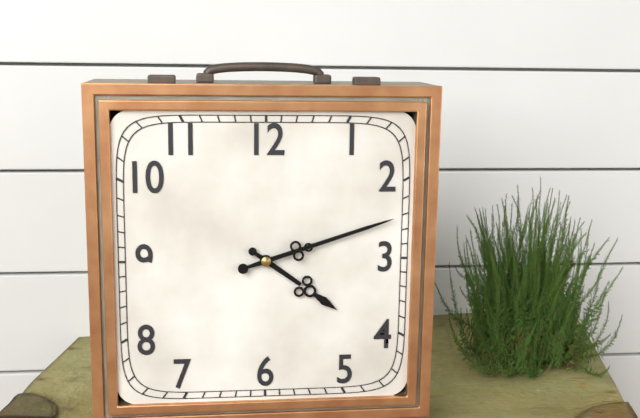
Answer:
**4:12**
